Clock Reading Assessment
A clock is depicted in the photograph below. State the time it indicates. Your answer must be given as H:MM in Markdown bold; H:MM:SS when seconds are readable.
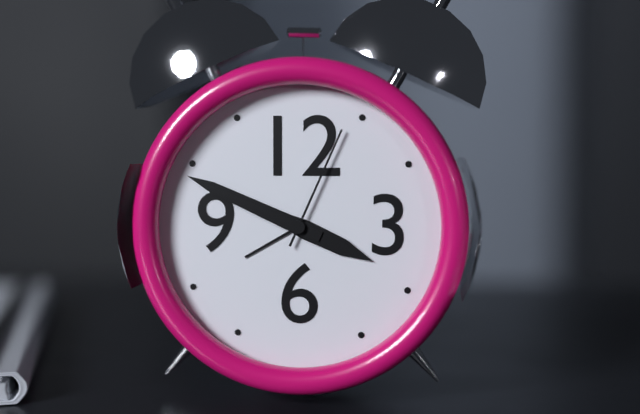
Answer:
**3:49:04**
